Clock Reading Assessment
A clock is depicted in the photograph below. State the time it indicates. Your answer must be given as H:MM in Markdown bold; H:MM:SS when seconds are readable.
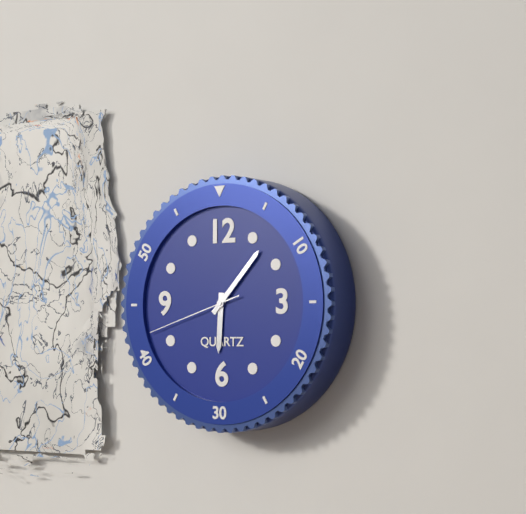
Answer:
**6:07:42**
